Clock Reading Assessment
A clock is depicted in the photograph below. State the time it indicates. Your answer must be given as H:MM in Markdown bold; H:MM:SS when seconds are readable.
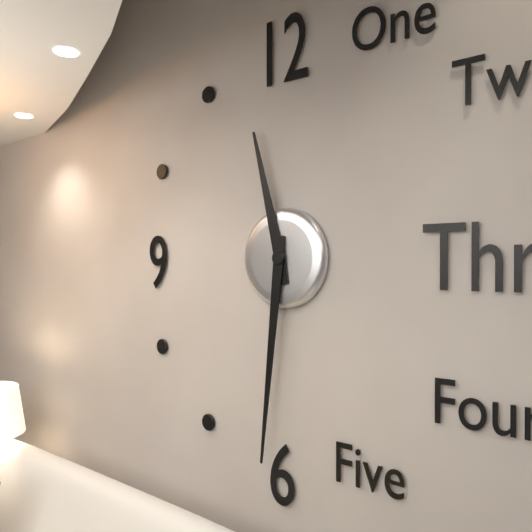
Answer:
**11:31**
